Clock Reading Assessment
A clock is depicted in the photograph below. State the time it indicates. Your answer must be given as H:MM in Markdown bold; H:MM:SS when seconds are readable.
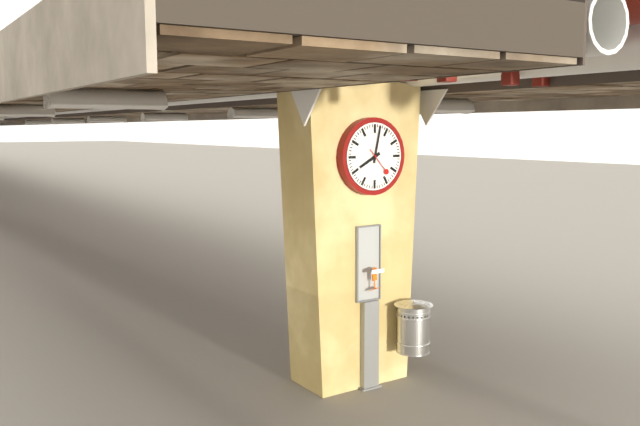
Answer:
**8:02**
